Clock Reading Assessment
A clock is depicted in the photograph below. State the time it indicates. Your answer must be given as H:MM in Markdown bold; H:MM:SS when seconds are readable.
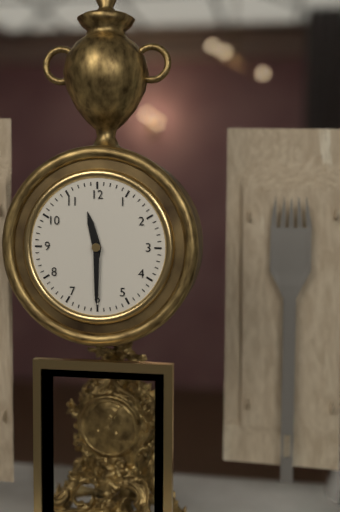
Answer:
**11:30**
